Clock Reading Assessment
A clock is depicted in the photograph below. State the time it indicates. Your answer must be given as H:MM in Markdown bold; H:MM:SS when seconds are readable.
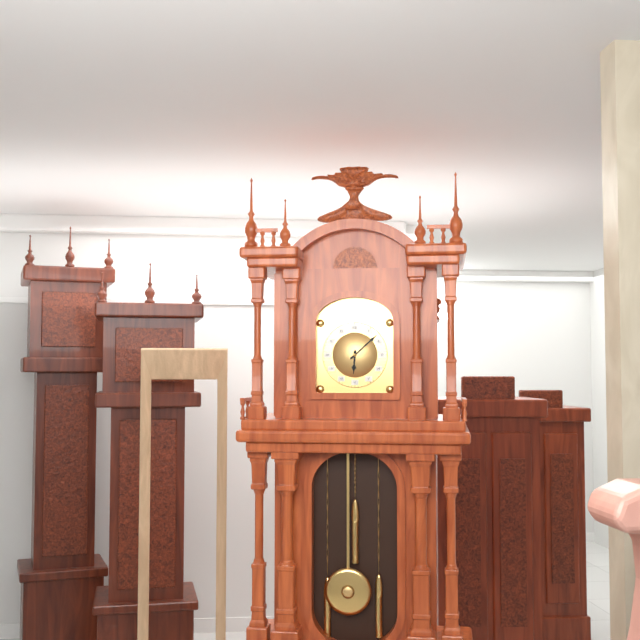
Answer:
**6:08**
